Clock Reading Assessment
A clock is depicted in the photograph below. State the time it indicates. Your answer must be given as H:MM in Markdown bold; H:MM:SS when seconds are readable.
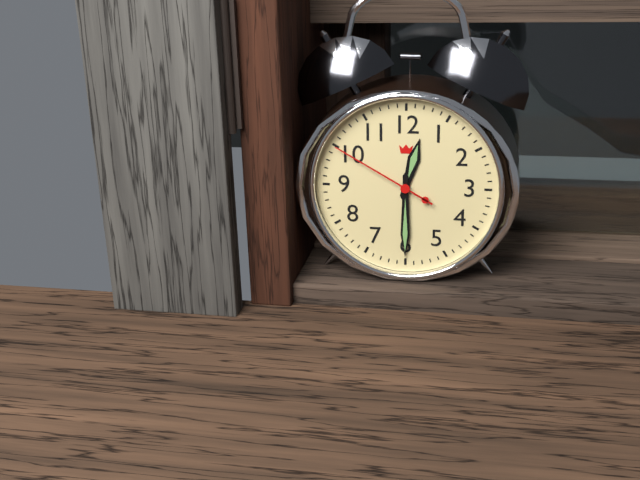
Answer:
**12:30:50**
